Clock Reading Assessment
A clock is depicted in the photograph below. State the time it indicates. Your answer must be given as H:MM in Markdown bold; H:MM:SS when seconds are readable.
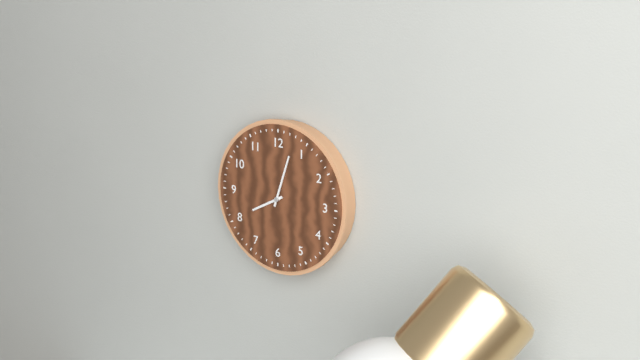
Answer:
**8:03**
